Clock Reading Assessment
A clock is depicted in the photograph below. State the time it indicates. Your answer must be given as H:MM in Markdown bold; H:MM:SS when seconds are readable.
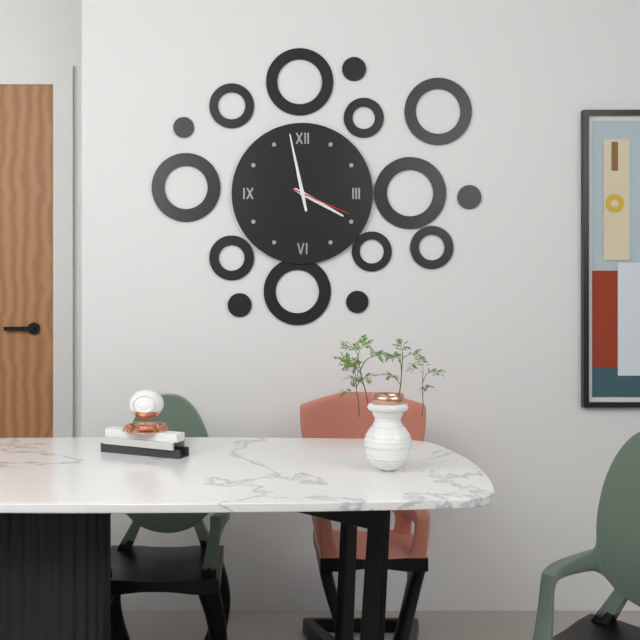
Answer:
**3:58:19**
